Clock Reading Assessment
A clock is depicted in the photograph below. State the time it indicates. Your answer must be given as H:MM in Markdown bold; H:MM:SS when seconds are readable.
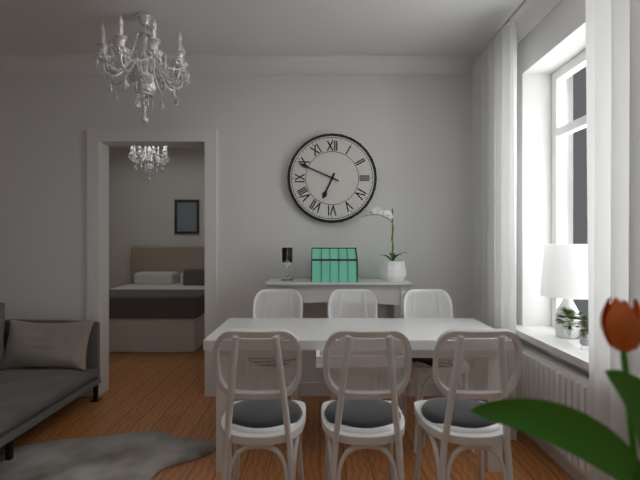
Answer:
**6:49**
